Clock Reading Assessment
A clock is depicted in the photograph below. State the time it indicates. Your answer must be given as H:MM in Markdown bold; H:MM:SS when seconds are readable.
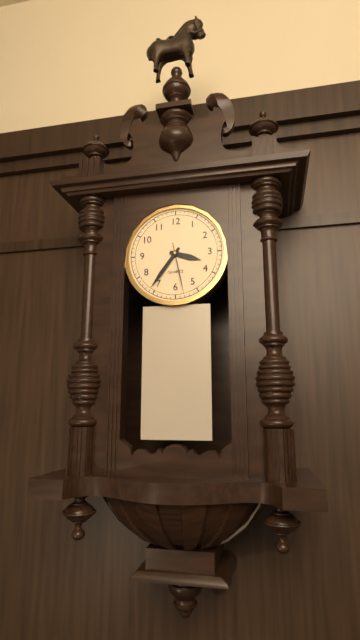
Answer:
**3:36:28**
